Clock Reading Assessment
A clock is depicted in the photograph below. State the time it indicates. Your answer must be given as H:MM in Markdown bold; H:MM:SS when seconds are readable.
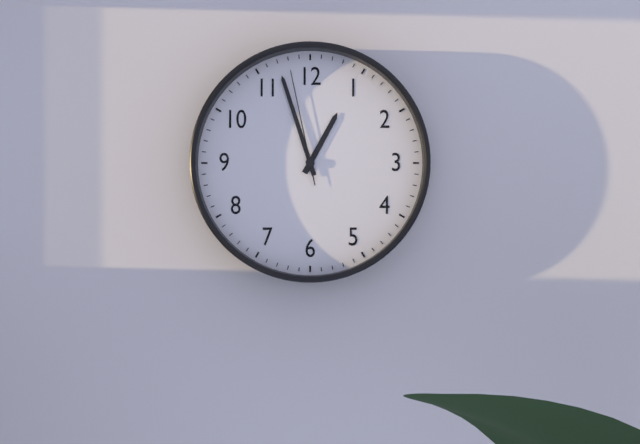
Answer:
**12:57:58**
